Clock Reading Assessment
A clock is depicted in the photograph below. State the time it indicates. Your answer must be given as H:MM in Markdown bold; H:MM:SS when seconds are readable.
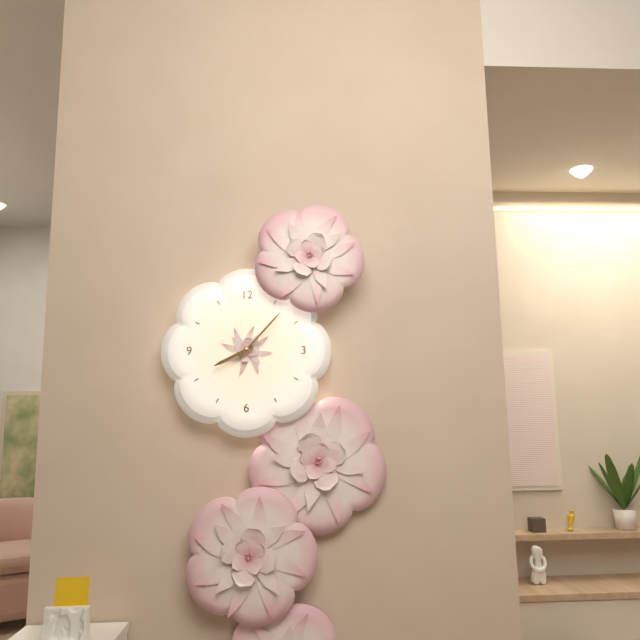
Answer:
**8:07**
